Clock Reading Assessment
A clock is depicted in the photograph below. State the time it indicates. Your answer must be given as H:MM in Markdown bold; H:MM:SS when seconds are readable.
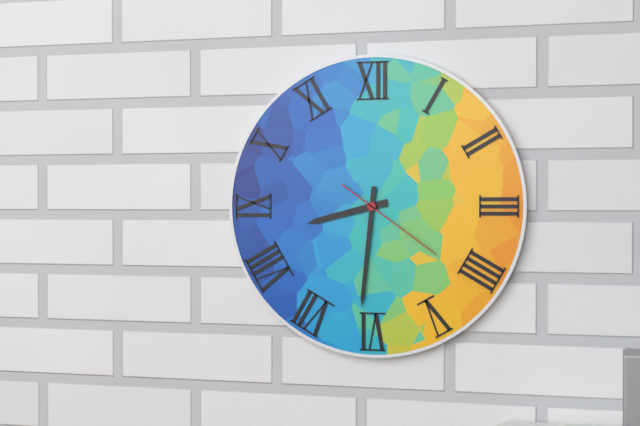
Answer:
**8:31:21**
